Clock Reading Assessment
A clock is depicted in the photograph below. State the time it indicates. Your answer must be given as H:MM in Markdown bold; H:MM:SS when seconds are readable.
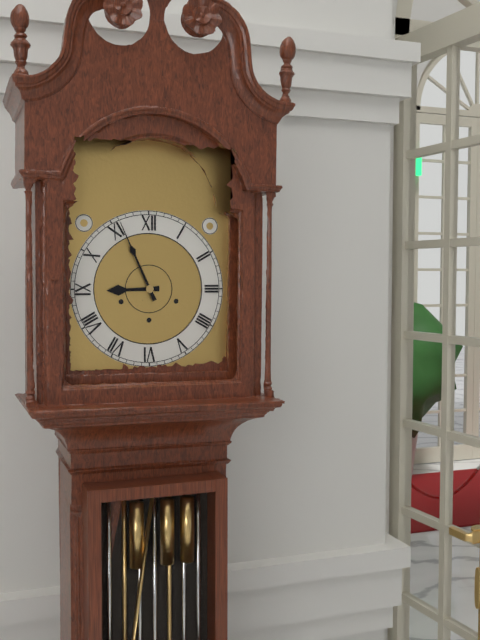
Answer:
**8:56**
